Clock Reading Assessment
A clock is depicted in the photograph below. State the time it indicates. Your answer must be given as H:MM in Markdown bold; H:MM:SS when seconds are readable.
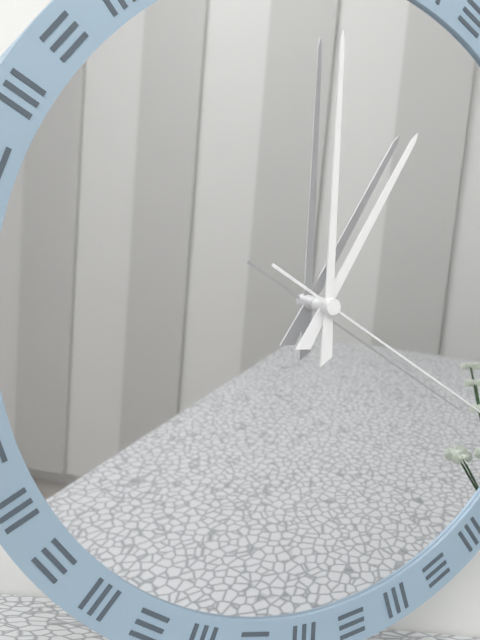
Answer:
**1:00**
